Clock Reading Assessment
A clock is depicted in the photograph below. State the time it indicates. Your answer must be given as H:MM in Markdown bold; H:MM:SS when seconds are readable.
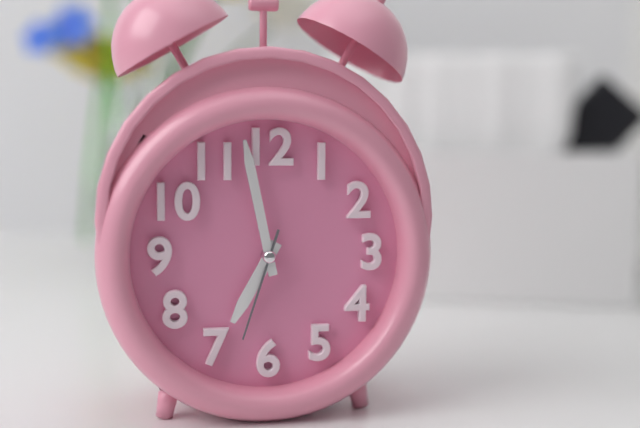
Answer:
**6:58:33**
